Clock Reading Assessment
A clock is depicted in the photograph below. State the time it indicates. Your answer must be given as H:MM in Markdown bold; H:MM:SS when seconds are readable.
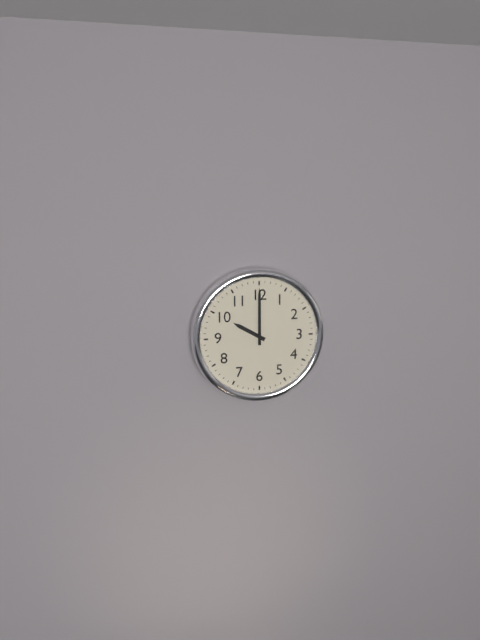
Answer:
**10:00**
